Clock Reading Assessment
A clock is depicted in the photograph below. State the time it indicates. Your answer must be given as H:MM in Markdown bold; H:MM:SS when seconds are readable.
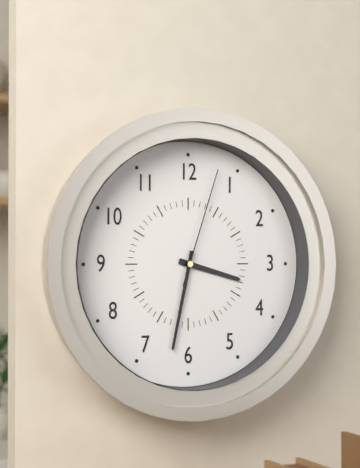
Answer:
**3:32:03**
